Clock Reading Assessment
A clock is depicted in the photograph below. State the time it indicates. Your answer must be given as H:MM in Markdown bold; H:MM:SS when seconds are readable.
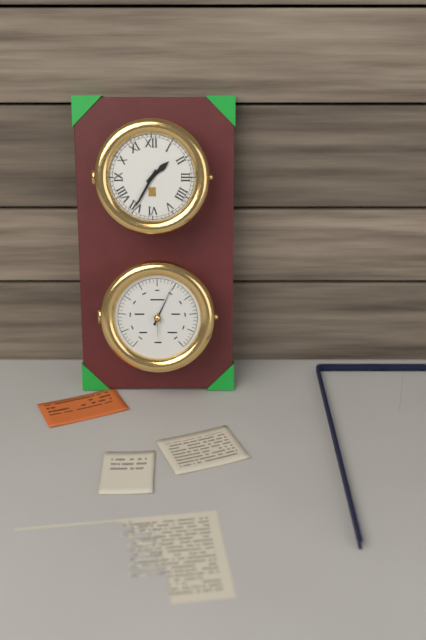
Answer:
**1:35**
